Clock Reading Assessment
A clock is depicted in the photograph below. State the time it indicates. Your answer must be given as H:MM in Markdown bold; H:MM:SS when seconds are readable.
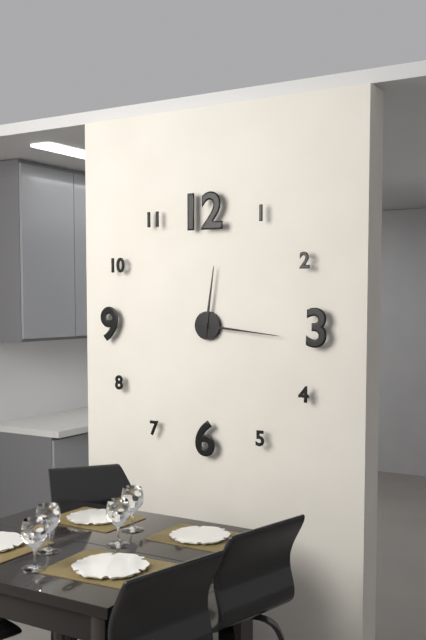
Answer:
**12:16**
